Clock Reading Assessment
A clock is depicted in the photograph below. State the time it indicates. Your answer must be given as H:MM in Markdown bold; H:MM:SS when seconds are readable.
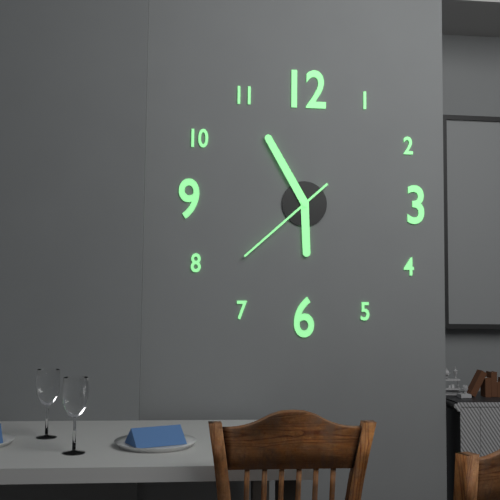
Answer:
**5:55:38**
